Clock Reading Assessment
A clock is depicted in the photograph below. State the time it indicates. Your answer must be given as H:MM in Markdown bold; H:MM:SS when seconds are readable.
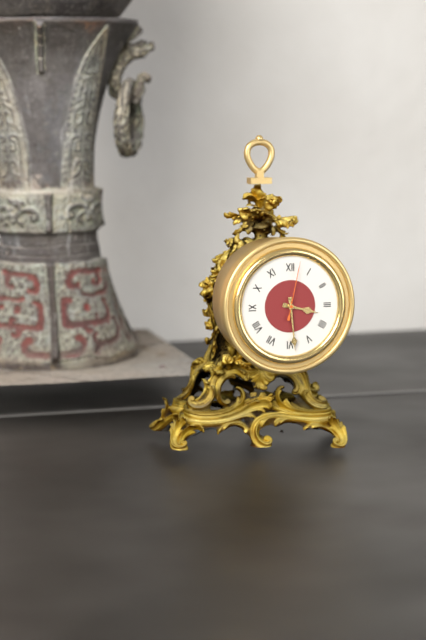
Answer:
**3:29:02**
